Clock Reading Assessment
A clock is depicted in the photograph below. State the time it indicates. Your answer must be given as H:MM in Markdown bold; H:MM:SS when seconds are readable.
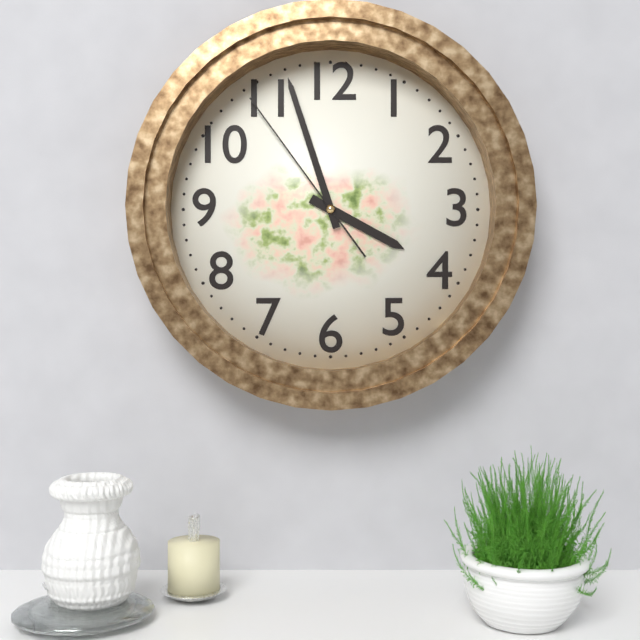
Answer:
**3:57:54**
